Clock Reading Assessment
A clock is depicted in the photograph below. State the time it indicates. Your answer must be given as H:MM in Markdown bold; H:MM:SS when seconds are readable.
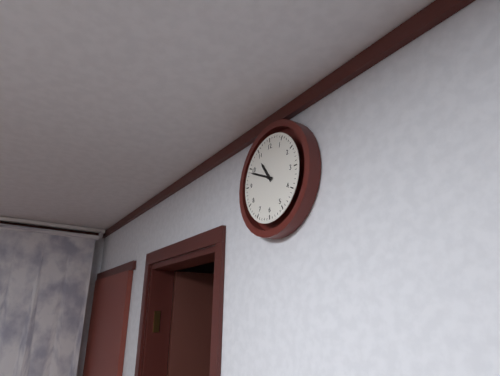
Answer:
**10:49**
